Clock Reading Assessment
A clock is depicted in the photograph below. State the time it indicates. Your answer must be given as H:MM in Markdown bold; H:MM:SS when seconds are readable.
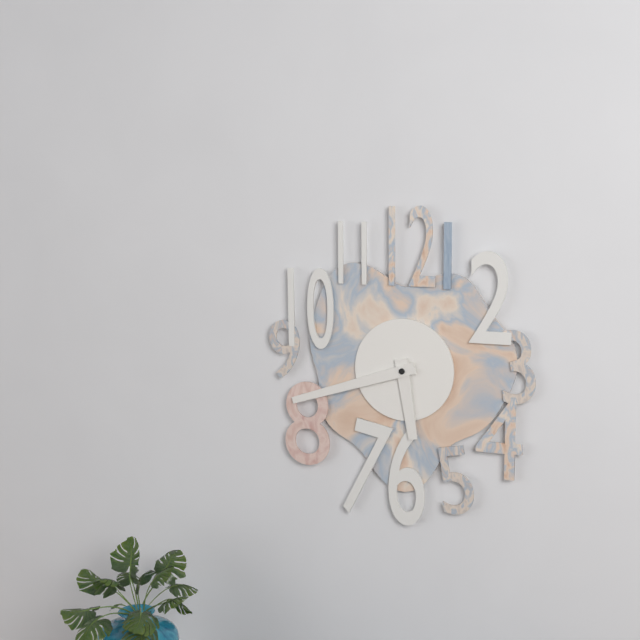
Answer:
**5:42**
